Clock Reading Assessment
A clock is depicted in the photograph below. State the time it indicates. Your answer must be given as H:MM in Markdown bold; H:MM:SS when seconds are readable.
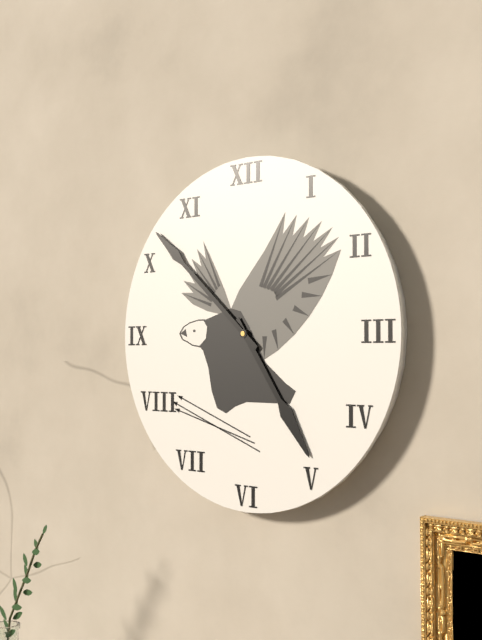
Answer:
**4:52**
